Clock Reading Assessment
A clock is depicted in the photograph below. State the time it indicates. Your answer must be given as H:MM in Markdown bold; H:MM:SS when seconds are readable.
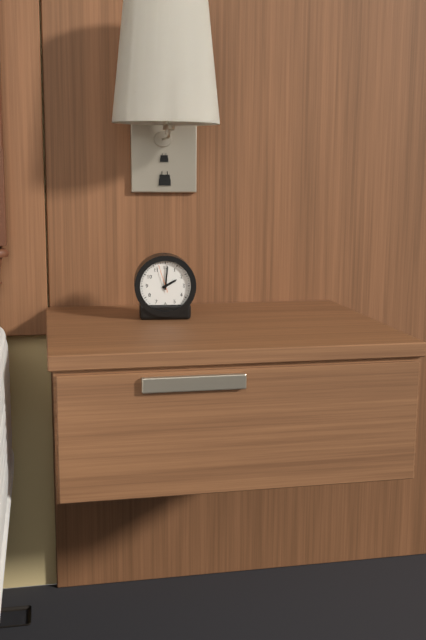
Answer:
**2:01**
